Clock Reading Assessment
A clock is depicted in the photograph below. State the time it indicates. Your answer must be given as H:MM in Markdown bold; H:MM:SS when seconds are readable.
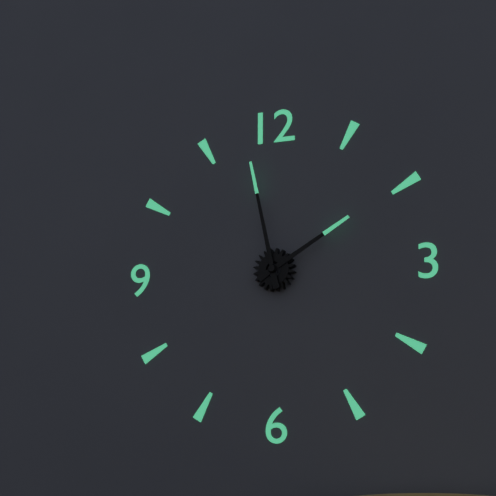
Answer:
**1:58**
